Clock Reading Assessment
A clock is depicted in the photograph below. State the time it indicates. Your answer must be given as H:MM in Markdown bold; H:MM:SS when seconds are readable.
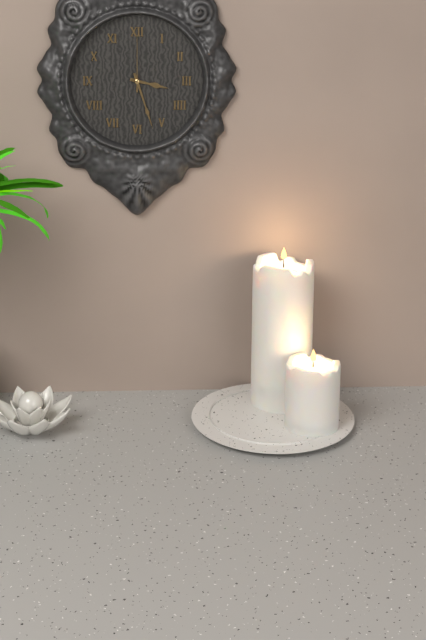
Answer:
**3:27:00**
